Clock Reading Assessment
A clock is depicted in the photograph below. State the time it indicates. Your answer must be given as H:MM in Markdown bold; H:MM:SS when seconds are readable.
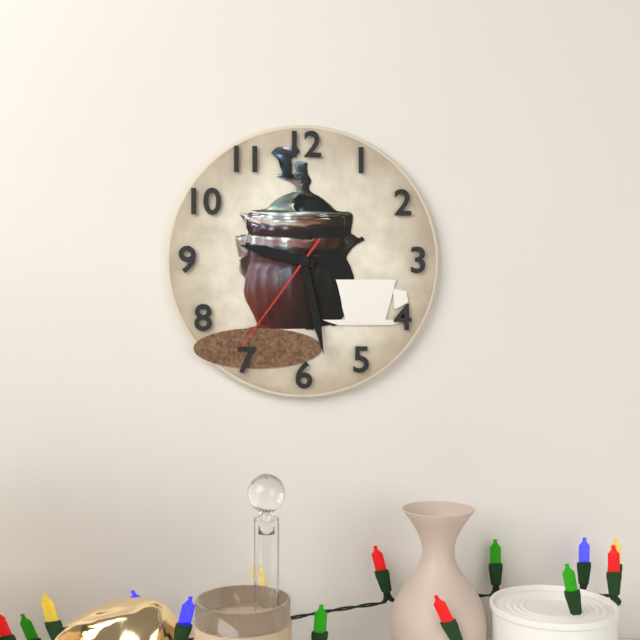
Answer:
**9:28:36**
